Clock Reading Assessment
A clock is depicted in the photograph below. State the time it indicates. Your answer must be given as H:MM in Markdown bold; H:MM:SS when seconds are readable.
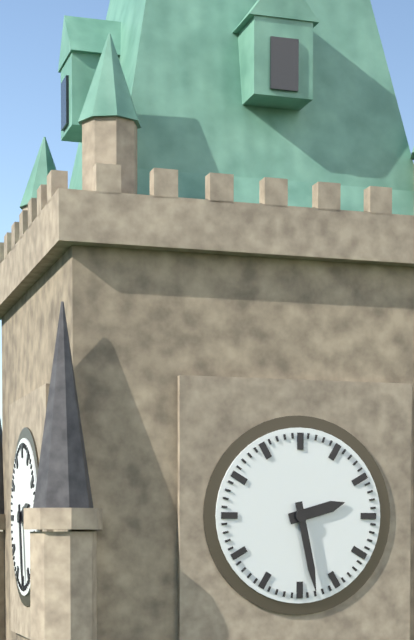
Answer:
**2:28**
